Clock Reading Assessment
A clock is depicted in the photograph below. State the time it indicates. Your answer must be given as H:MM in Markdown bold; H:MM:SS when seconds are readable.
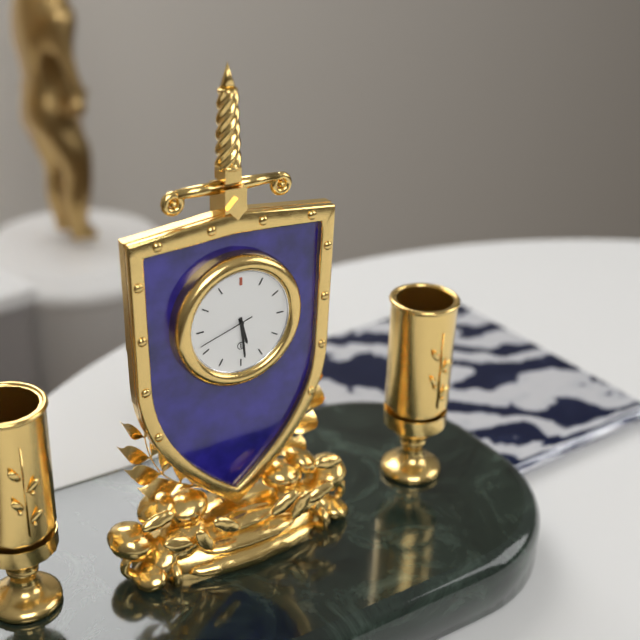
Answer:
**5:29:42**
